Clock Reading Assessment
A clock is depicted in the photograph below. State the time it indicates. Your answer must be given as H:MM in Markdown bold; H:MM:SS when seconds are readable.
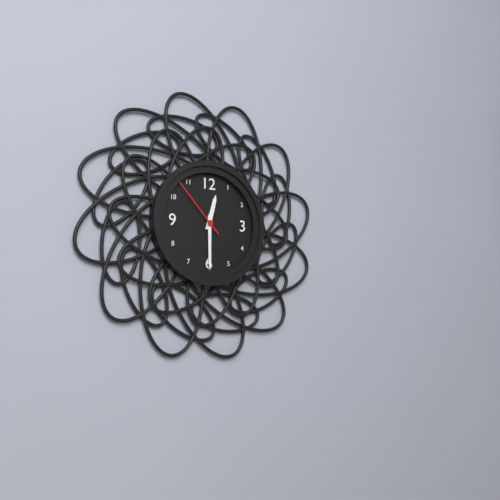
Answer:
**12:30:53**
